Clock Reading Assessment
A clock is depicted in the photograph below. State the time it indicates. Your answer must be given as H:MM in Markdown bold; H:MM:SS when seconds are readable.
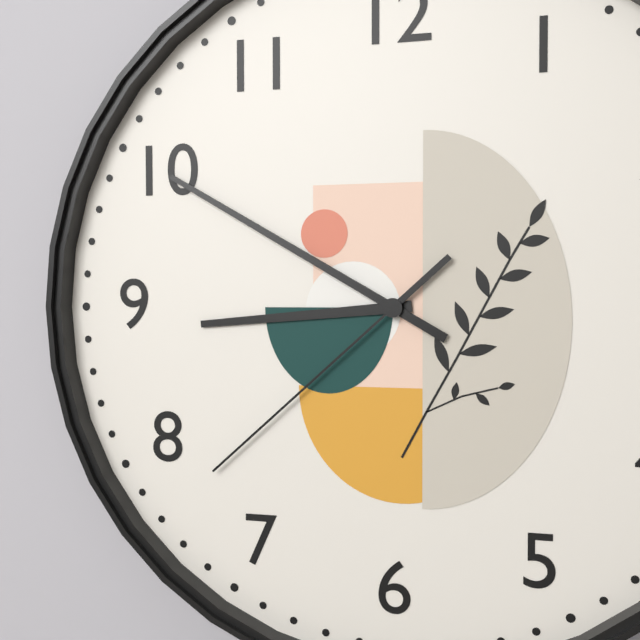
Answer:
**8:50:38**
